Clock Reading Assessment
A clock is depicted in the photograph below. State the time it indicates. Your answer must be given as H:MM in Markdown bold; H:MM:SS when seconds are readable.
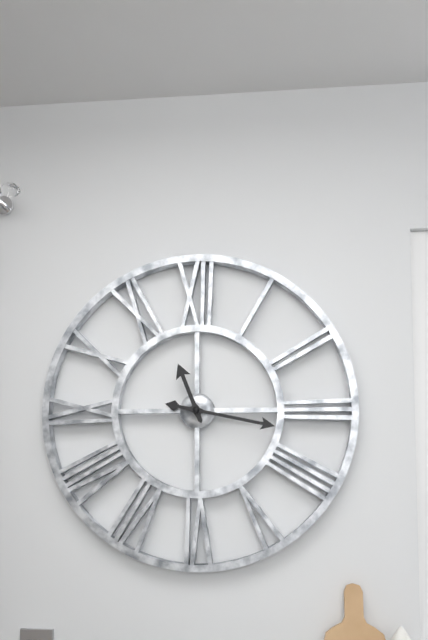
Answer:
**11:17**
